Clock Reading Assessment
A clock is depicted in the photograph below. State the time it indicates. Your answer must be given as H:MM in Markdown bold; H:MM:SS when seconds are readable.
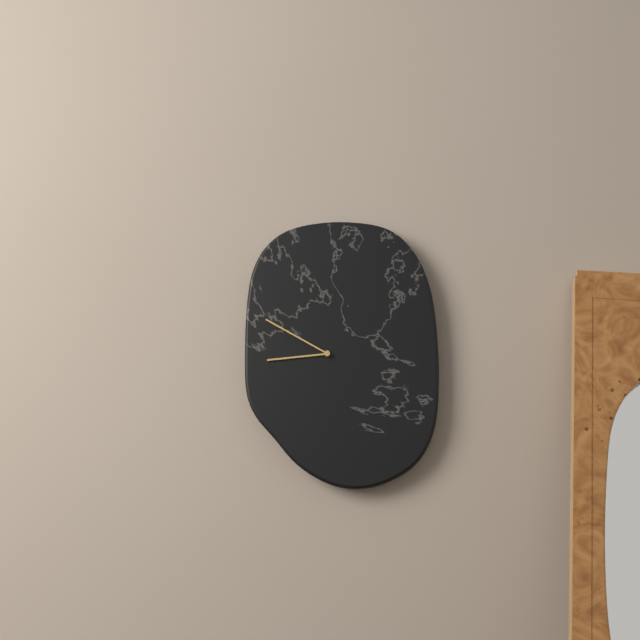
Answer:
**8:50**
